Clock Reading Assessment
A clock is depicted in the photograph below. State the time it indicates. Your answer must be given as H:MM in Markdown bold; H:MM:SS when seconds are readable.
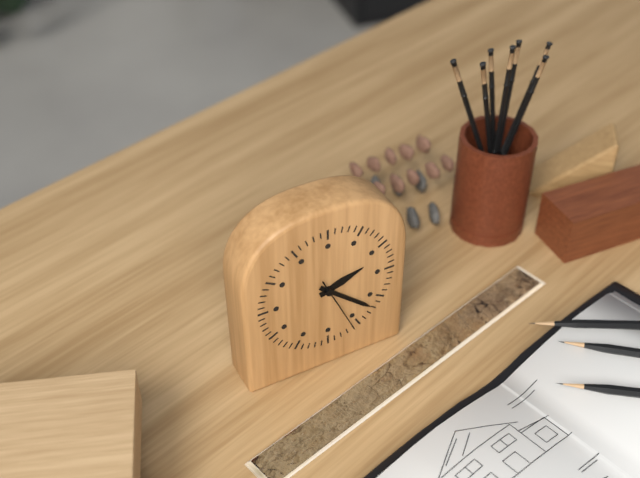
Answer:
**2:22:26**
